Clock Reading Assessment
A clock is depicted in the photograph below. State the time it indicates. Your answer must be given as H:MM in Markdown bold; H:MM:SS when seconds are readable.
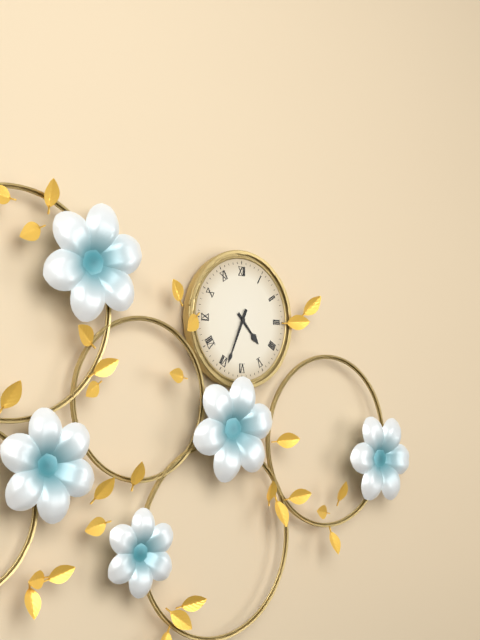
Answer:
**4:34**
